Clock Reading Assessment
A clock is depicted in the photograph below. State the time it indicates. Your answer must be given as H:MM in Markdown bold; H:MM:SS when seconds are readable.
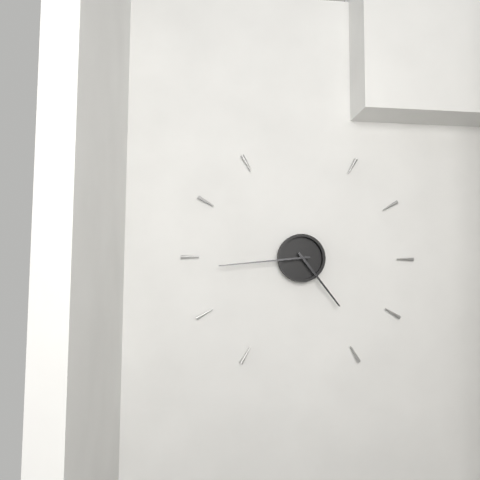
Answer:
**4:44**
